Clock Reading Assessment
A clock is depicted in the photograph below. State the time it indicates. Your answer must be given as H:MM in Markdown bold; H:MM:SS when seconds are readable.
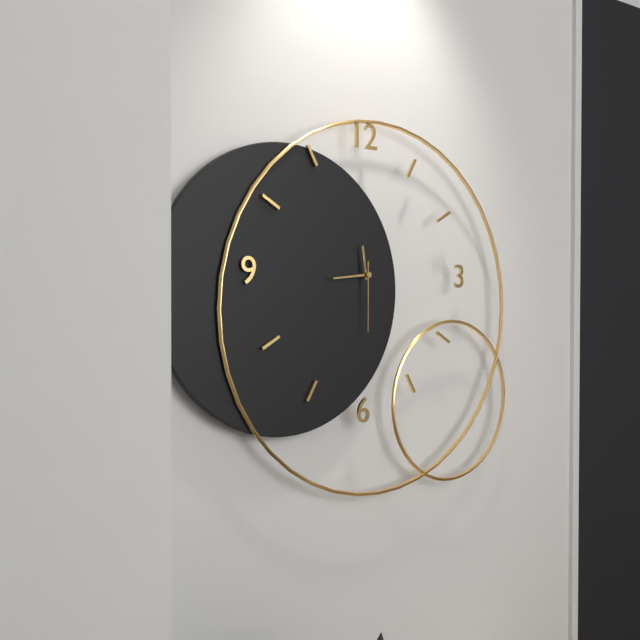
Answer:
**11:44:30**
